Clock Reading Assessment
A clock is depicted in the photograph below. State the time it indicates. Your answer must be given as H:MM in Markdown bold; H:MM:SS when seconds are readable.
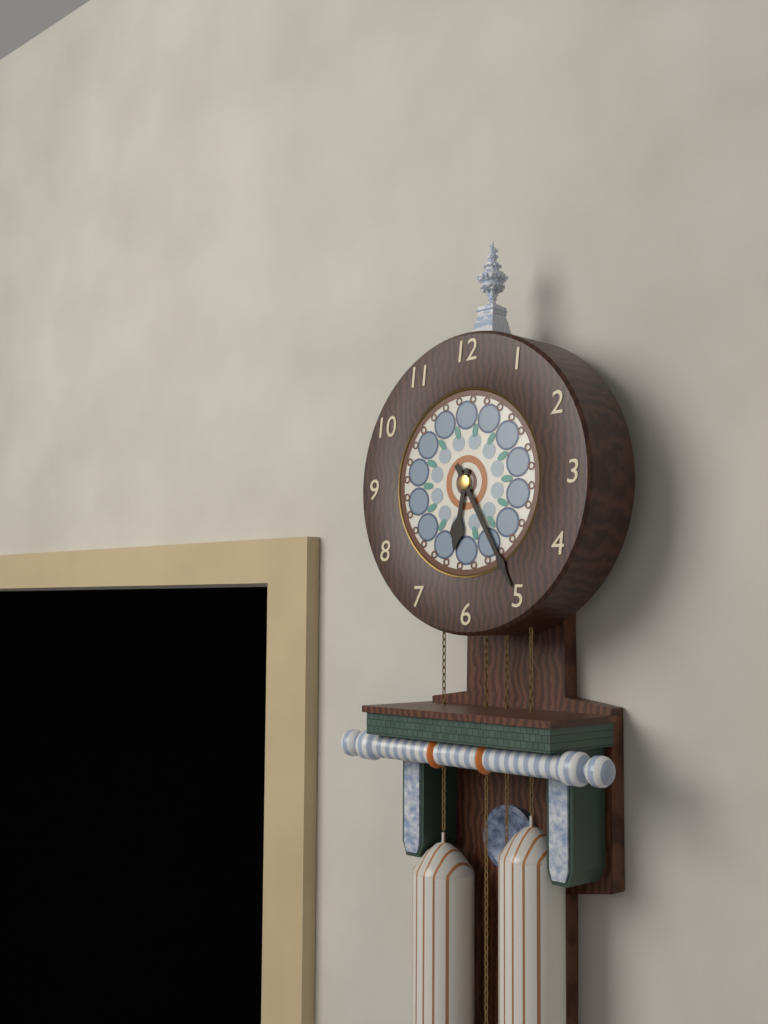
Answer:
**6:25**
